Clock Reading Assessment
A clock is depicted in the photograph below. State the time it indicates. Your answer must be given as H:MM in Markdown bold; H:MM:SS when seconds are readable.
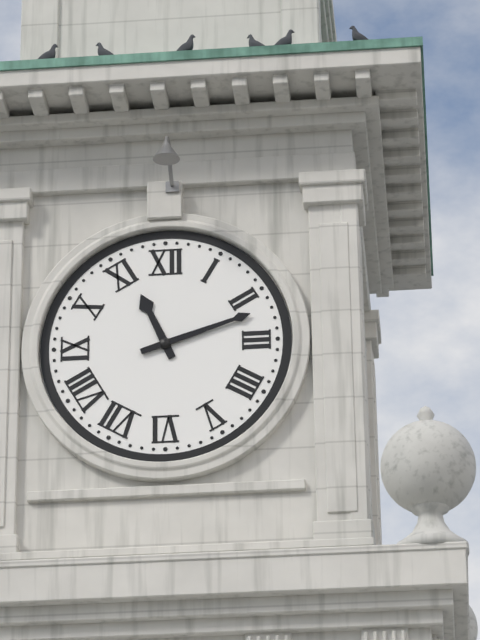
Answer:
**11:12**
